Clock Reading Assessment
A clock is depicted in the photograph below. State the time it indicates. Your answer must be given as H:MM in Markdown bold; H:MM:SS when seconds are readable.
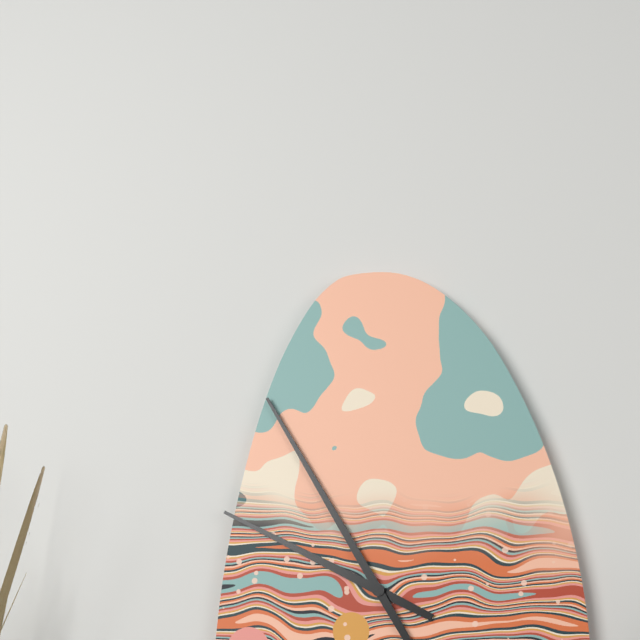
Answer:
**9:55**
